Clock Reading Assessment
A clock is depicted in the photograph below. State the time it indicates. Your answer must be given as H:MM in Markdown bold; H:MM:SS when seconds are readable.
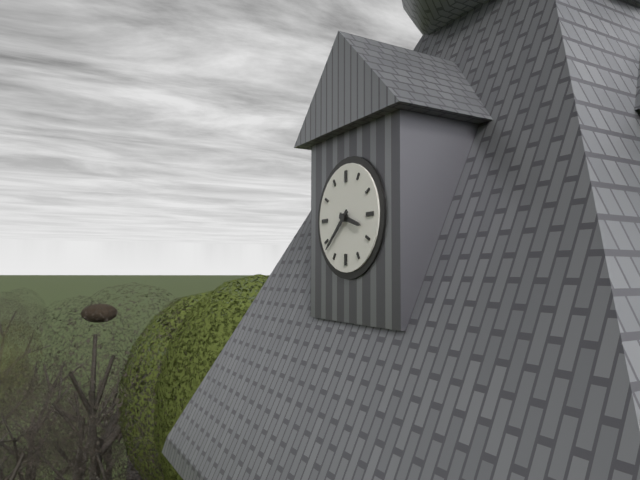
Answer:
**3:38**
